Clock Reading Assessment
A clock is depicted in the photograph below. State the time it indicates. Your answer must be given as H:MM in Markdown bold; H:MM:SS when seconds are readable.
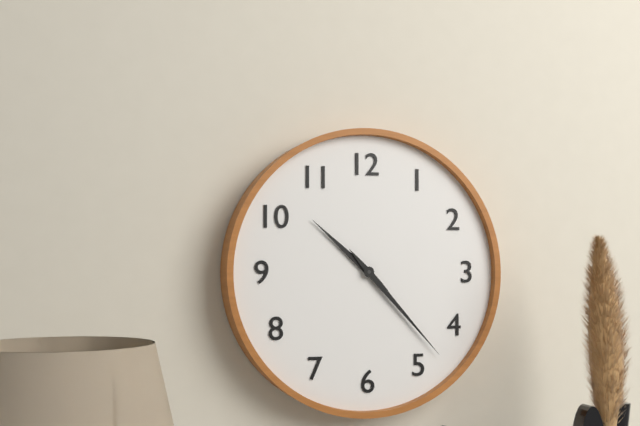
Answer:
**10:23**
